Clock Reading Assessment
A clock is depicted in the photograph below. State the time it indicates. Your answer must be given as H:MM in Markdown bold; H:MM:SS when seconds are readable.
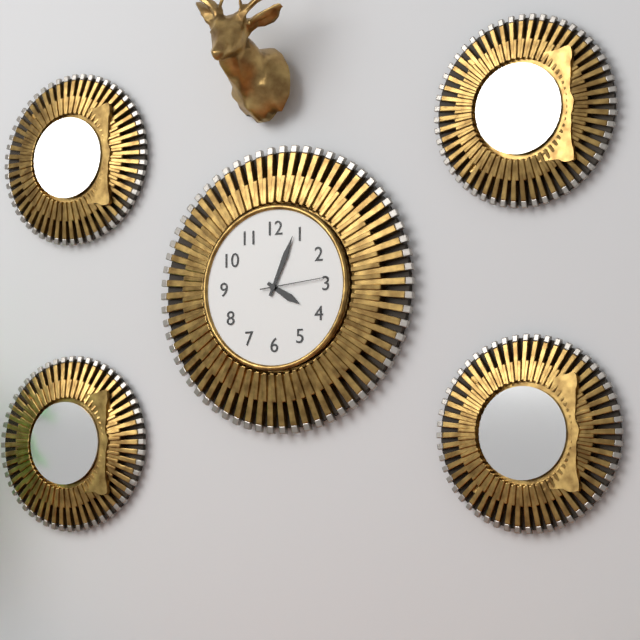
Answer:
**4:04:14**
